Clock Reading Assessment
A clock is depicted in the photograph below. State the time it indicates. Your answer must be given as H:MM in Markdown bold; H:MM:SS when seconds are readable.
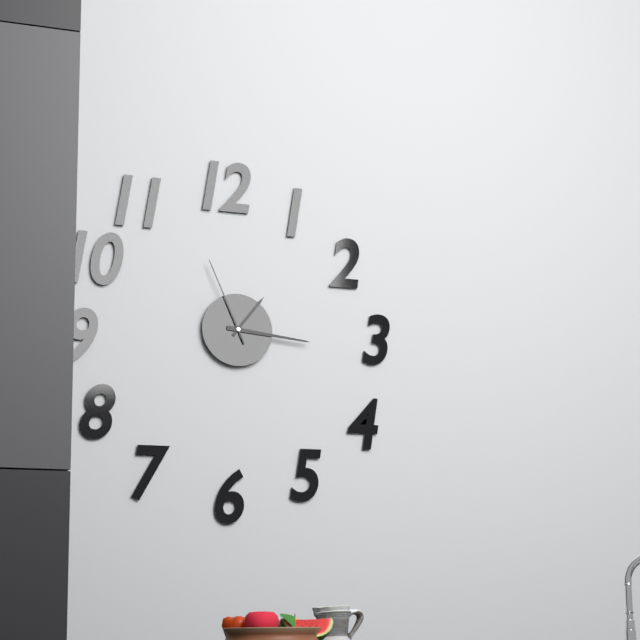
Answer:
**1:16:56**
